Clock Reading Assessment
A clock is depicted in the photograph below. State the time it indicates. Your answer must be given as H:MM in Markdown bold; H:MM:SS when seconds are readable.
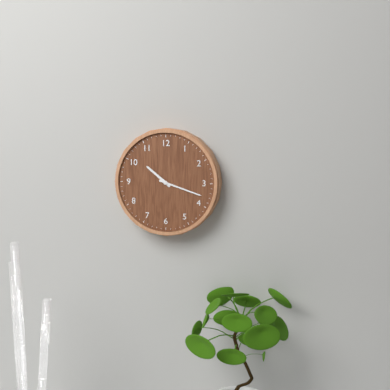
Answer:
**10:18**
